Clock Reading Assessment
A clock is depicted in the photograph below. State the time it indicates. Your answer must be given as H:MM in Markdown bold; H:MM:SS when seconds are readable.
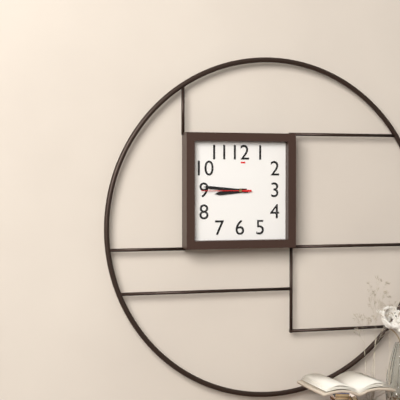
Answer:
**8:46**
